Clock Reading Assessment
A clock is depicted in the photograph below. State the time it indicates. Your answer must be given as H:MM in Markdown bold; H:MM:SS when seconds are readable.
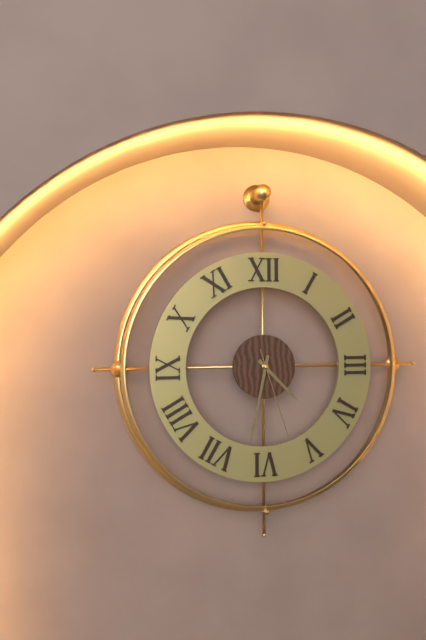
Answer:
**4:32:27**
